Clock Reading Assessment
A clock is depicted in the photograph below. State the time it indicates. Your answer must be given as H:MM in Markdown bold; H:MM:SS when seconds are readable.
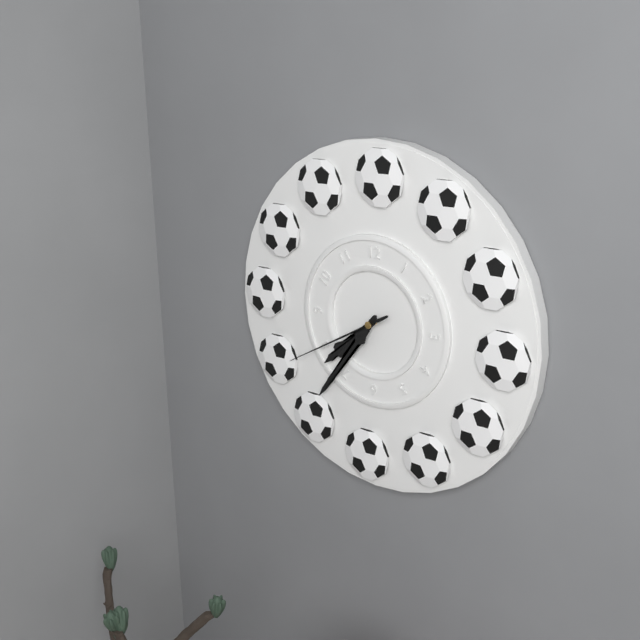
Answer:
**7:36:40**
